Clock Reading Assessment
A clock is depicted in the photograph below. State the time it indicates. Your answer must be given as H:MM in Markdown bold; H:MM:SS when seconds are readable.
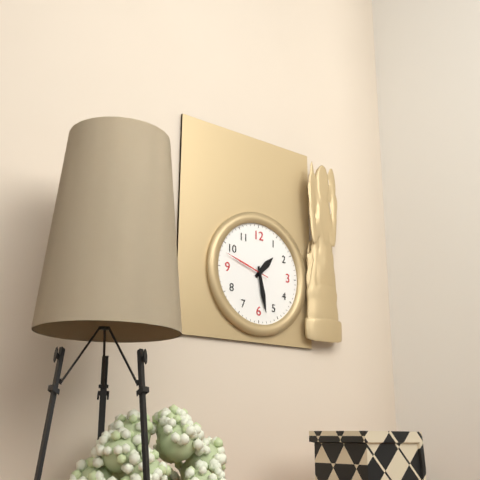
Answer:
**1:28**
